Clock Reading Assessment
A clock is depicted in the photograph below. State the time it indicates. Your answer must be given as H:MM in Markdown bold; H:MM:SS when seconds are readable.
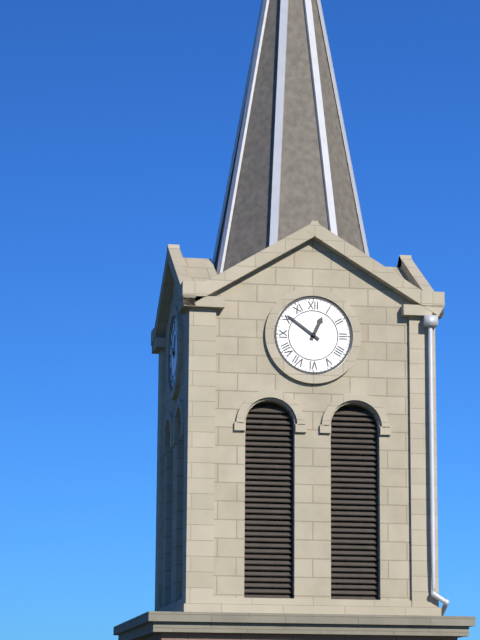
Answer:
**12:51**
